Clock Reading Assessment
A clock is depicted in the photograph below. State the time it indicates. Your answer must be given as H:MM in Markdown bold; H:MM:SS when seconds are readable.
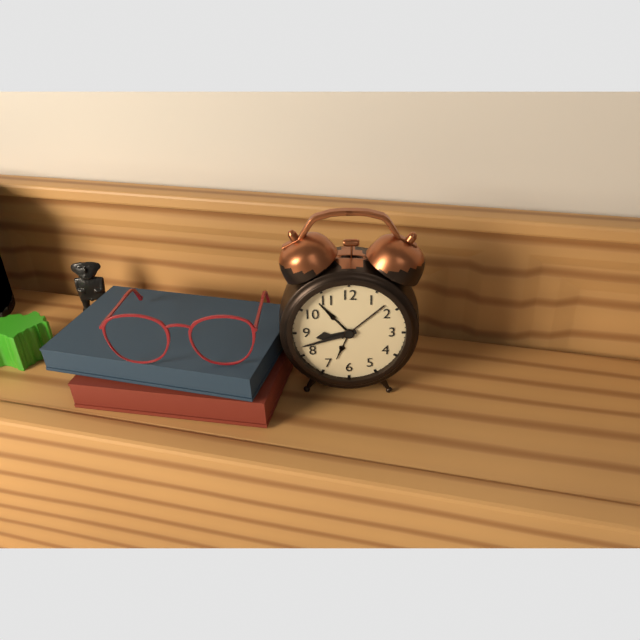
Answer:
**8:42**
